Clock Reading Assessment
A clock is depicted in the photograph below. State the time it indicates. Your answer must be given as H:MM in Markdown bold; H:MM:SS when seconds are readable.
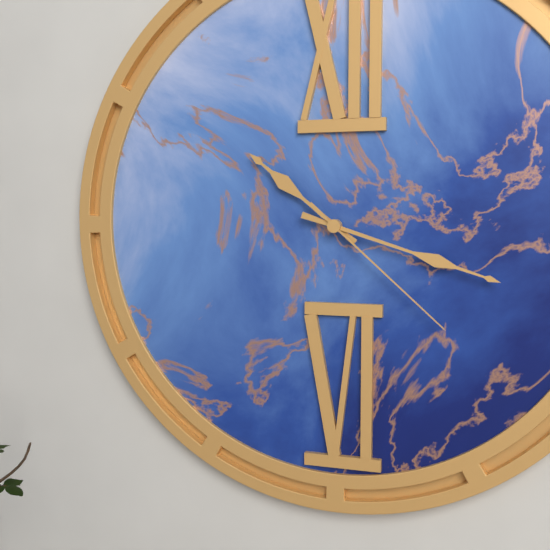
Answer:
**10:18:22**
